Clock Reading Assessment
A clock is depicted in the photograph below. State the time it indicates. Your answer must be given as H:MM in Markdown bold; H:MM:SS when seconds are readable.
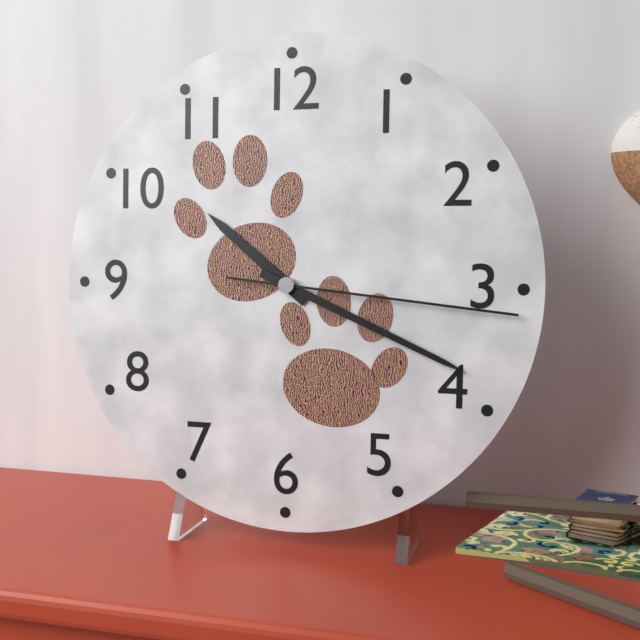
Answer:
**10:19:16**
